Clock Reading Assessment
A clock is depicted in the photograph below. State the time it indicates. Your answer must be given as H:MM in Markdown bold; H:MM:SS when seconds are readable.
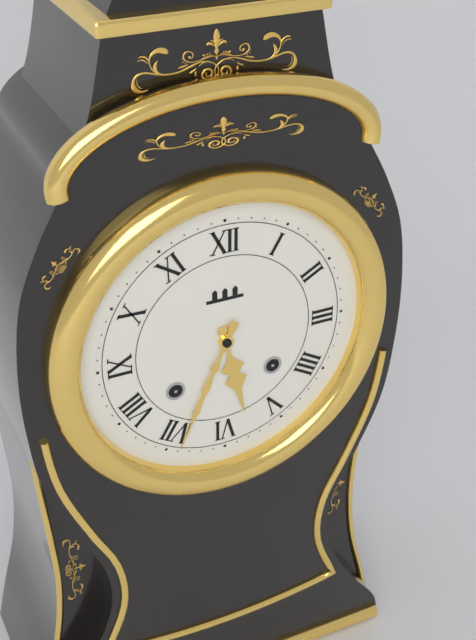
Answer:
**5:34**
